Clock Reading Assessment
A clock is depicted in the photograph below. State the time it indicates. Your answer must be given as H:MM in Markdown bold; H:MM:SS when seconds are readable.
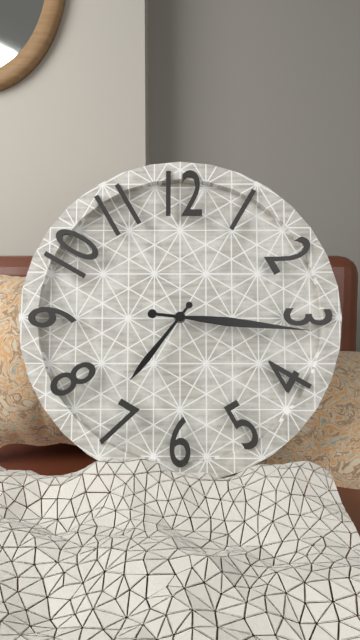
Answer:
**7:16**
